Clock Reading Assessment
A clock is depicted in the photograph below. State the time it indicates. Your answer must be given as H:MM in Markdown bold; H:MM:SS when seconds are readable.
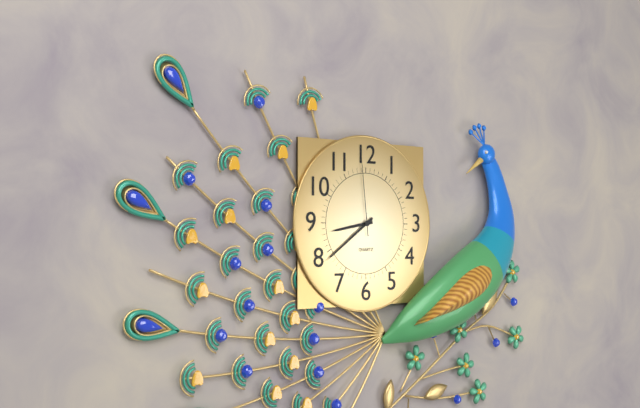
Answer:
**8:39:59**
